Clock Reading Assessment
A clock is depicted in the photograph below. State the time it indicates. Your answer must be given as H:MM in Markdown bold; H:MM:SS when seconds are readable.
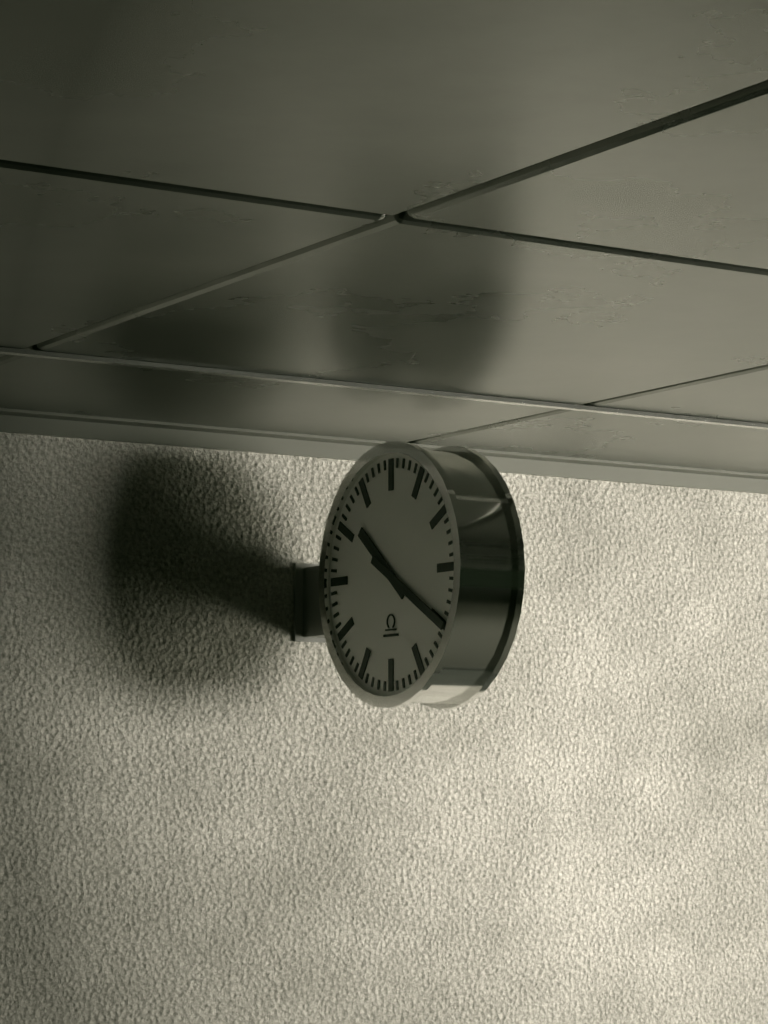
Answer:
**10:20**
